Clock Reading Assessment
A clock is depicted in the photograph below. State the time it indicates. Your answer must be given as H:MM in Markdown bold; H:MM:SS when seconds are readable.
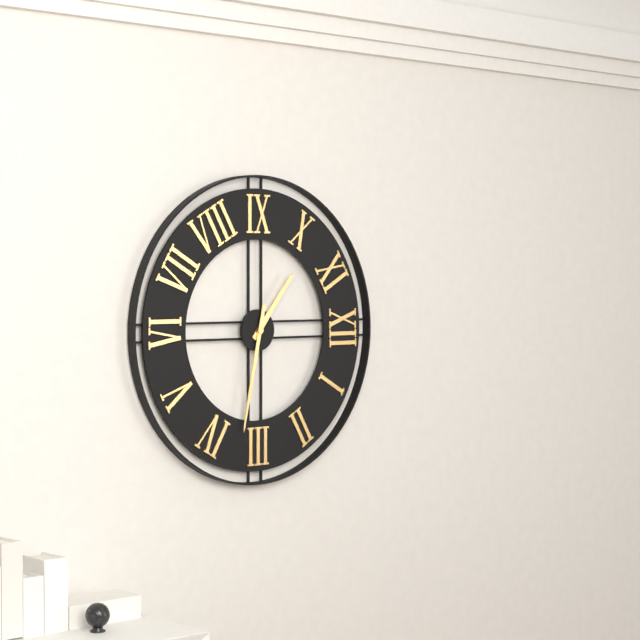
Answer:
**10:17**
